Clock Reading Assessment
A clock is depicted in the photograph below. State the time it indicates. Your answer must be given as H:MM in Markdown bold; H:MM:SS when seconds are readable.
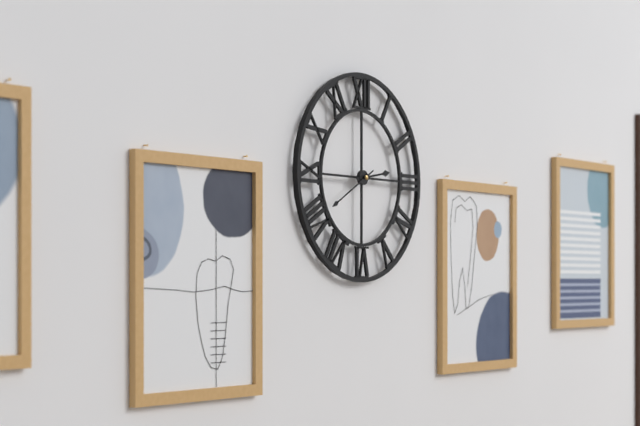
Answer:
**2:40**
